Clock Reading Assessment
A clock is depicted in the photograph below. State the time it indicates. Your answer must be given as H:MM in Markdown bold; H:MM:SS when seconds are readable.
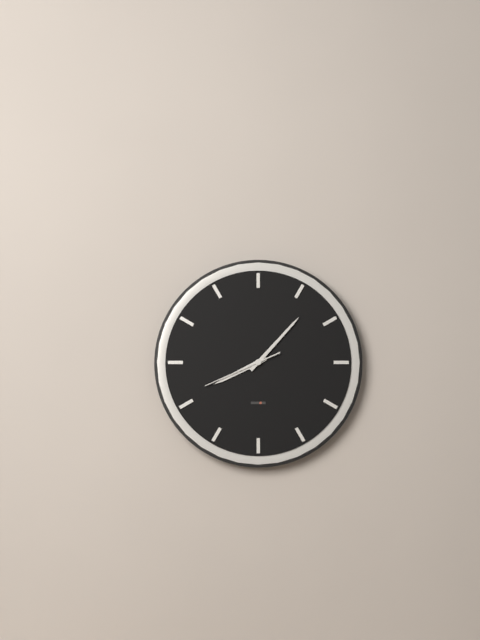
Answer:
**8:07:41**
